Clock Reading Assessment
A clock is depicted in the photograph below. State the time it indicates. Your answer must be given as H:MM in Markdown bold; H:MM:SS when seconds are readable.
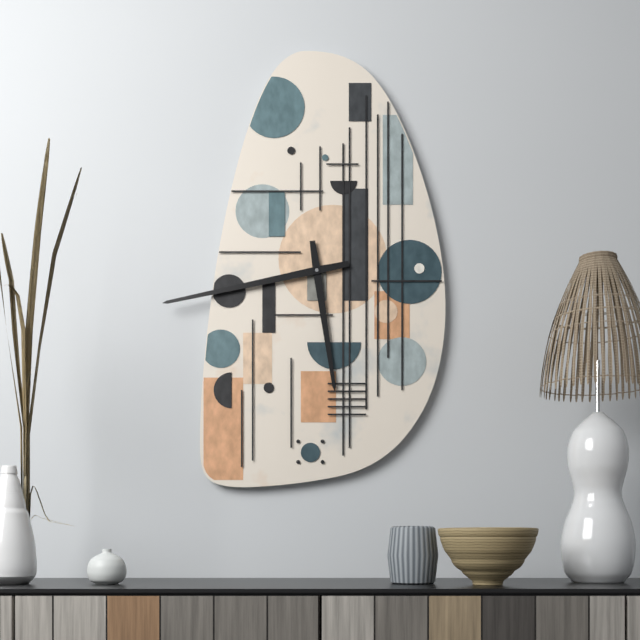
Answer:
**5:43**
